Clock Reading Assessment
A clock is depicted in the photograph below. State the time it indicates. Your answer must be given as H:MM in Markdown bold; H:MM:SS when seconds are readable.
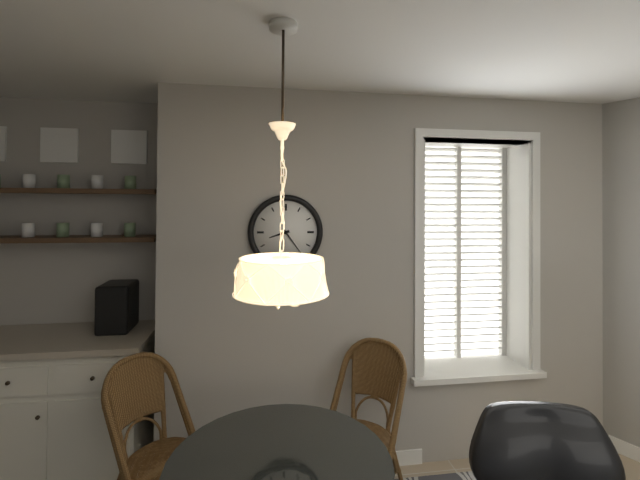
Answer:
**8:24**
